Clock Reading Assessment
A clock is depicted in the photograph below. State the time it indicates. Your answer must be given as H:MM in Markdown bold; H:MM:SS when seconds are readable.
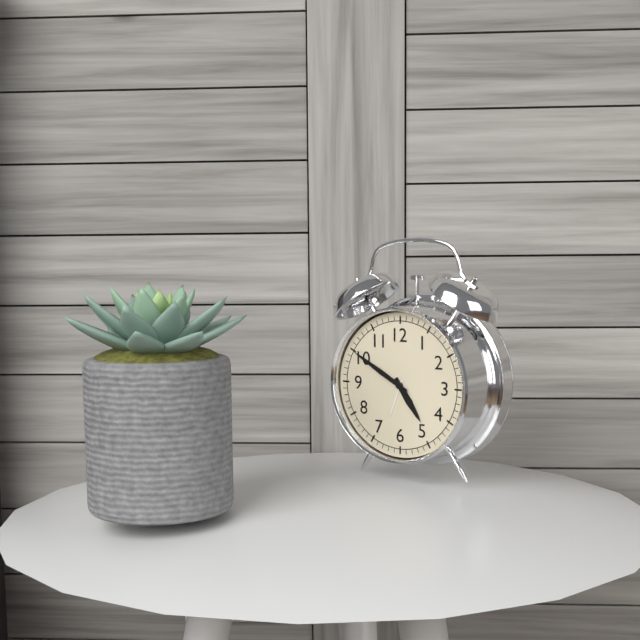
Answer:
**4:50**
